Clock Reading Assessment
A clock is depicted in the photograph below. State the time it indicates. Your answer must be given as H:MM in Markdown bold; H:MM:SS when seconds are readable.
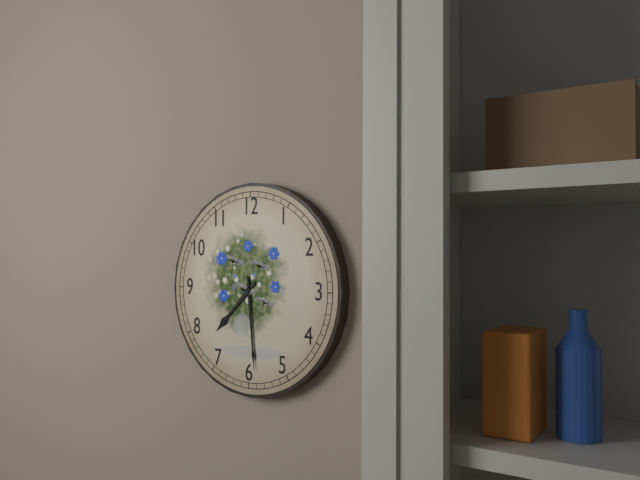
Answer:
**7:29**
